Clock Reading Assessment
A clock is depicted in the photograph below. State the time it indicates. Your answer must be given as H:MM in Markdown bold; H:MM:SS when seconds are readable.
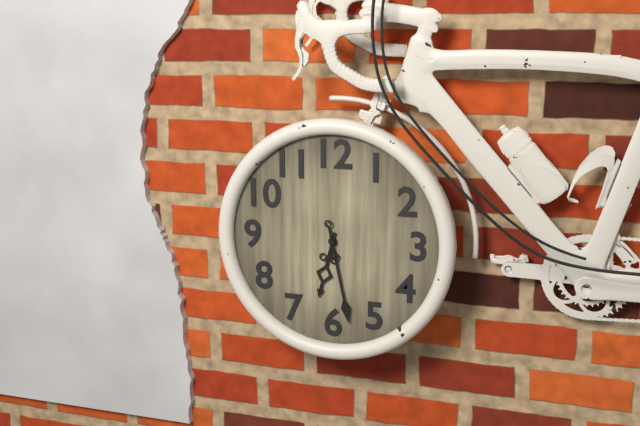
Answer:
**6:28**
